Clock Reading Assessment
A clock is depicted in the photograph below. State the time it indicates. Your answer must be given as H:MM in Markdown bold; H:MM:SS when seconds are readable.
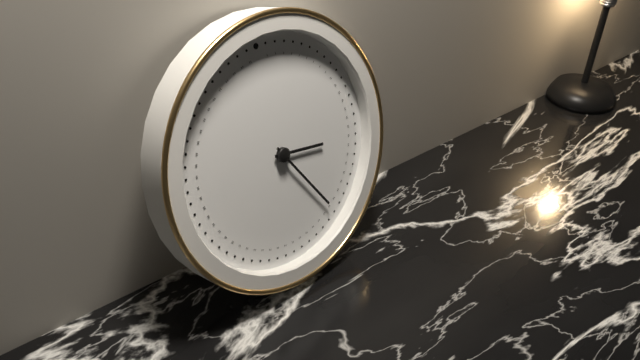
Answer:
**3:25**
